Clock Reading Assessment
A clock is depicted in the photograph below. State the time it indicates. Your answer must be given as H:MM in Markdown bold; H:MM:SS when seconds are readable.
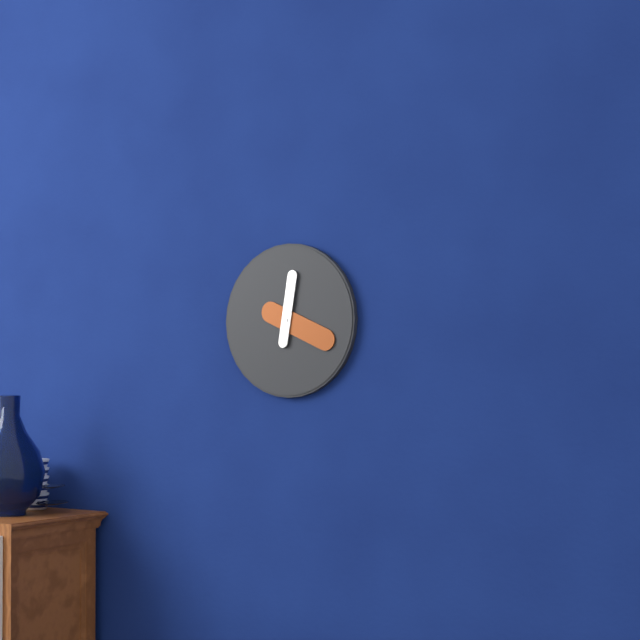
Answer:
**12:19**
